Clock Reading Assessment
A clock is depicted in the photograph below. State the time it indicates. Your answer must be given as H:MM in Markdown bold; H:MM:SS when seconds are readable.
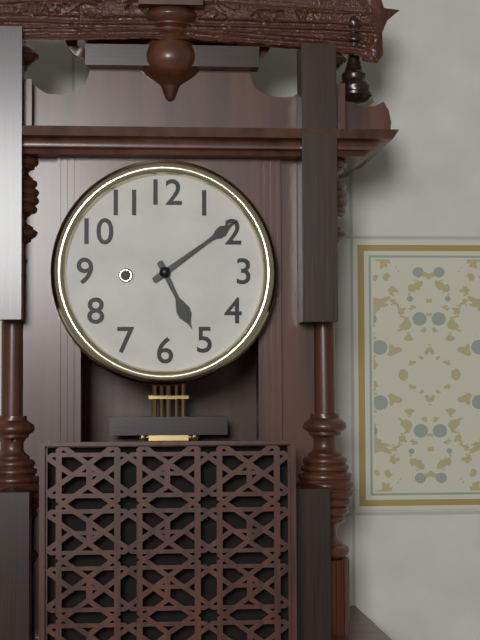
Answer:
**5:09**
